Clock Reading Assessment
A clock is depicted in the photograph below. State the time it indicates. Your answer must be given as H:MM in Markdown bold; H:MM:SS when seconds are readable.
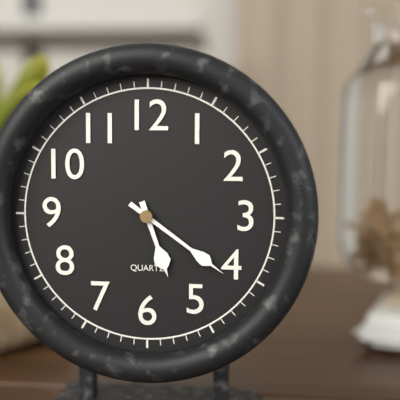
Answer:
**5:21**
